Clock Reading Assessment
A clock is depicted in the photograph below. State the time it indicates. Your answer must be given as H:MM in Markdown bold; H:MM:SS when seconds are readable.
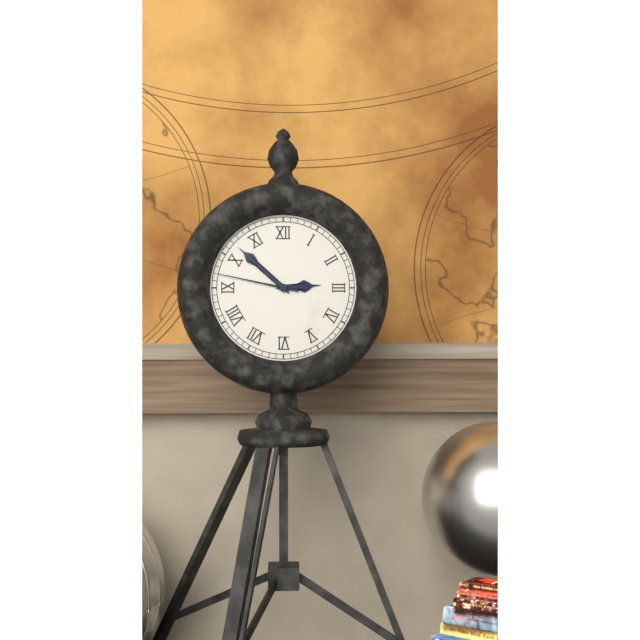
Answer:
**2:52:47**
